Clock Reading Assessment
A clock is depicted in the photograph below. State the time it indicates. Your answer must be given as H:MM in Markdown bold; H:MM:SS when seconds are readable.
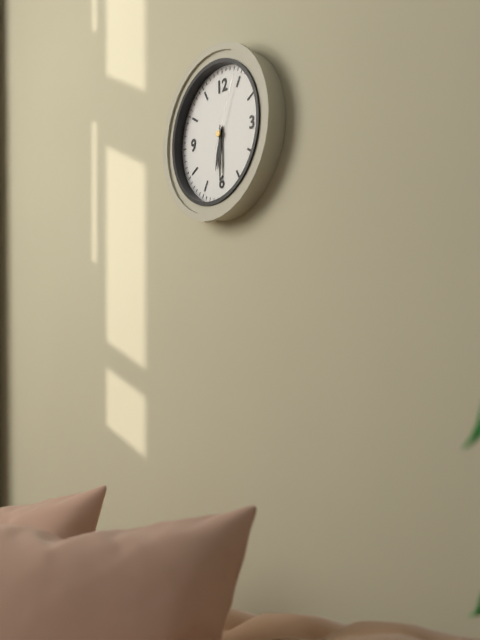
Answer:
**6:30:04**
